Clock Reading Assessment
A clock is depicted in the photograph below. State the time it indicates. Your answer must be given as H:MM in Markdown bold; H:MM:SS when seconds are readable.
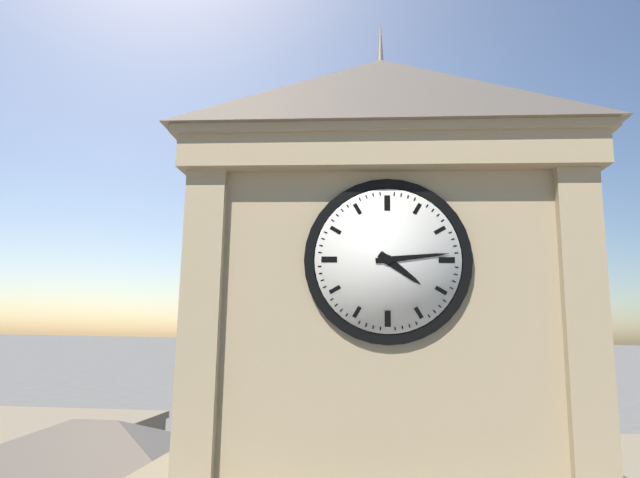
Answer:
**4:14**
